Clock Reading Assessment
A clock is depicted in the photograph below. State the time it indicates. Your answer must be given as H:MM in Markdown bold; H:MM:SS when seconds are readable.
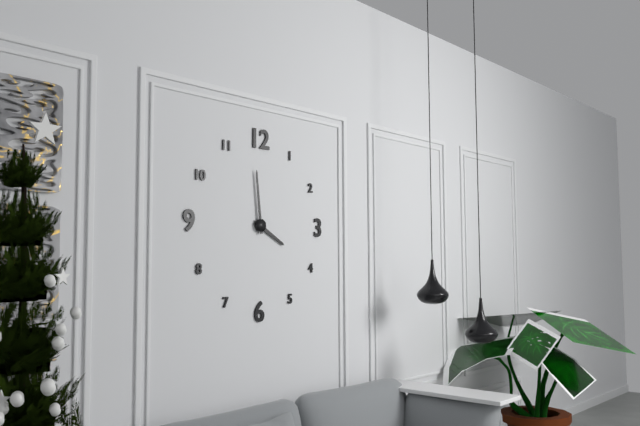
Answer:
**3:59**
